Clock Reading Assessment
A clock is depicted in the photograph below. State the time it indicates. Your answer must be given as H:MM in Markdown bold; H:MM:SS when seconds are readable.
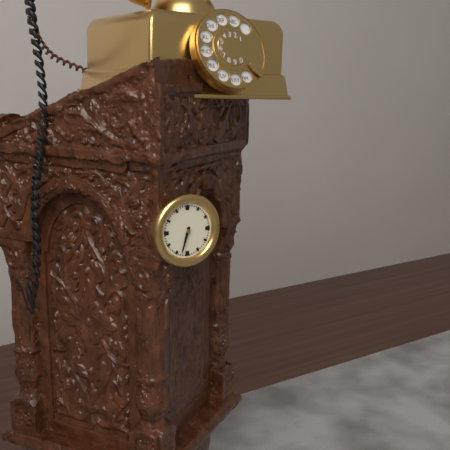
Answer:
**6:33**
